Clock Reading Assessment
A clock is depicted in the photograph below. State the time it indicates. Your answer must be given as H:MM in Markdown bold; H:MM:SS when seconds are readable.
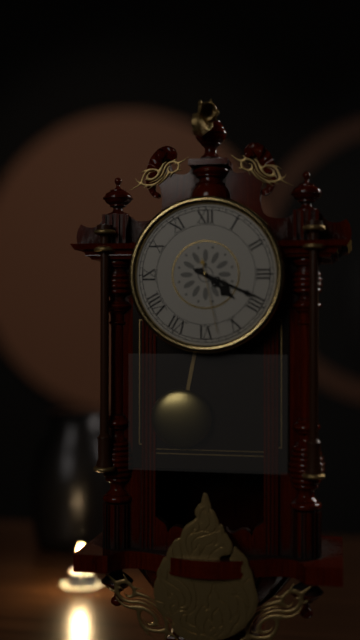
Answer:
**4:19:28**
